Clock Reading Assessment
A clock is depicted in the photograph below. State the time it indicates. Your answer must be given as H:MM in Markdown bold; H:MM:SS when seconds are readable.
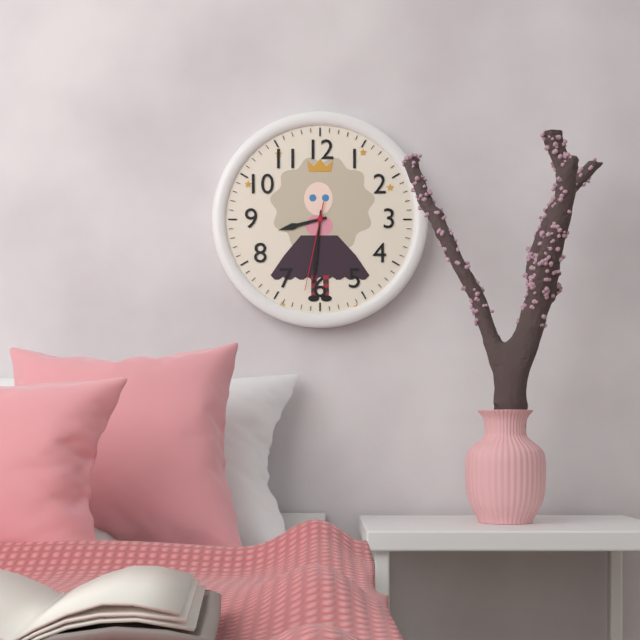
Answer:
**8:31:32**
